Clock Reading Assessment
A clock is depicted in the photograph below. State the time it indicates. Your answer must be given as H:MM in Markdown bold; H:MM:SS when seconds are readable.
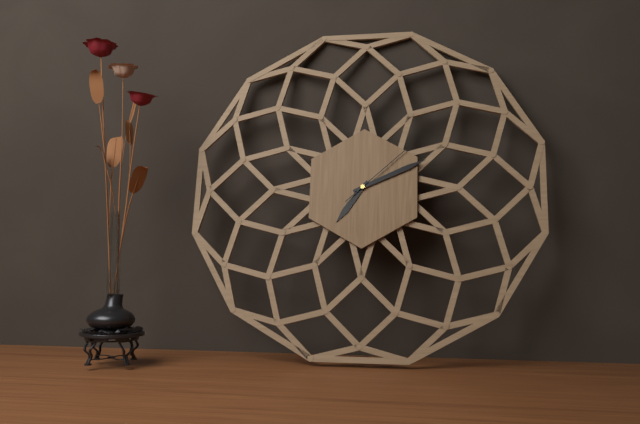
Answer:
**7:11:08**
